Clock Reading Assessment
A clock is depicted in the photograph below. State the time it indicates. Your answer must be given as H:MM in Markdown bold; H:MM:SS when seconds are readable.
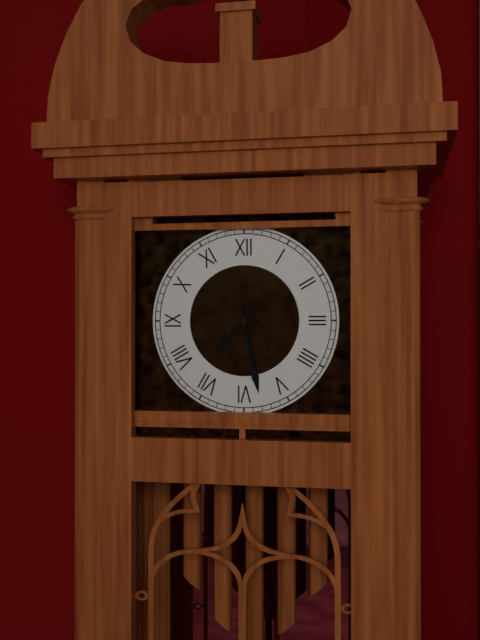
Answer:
**7:28**
